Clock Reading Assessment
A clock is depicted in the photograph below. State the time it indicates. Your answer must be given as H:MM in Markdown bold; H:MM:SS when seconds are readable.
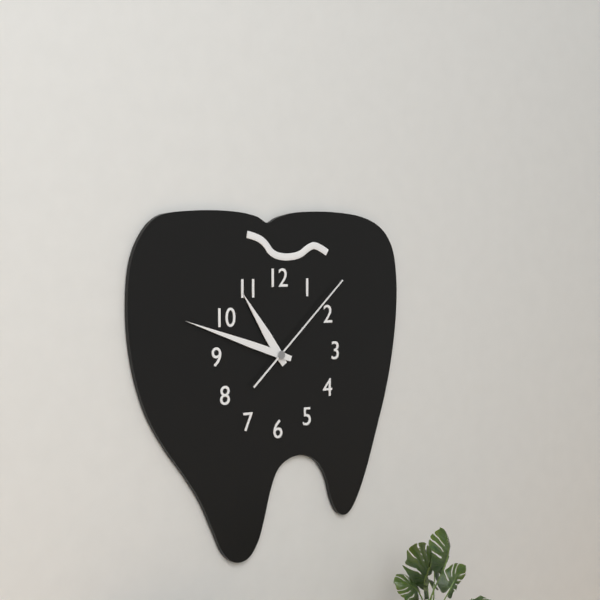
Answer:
**10:48:08**
